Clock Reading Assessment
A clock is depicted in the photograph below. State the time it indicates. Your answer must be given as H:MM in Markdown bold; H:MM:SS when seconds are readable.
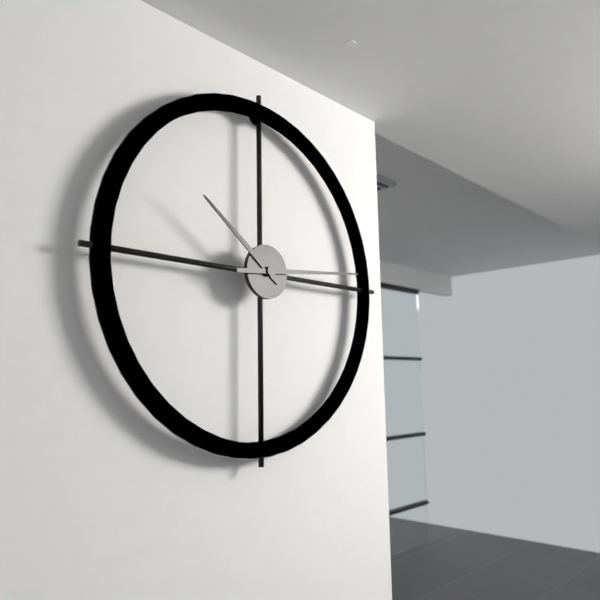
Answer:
**10:14**
